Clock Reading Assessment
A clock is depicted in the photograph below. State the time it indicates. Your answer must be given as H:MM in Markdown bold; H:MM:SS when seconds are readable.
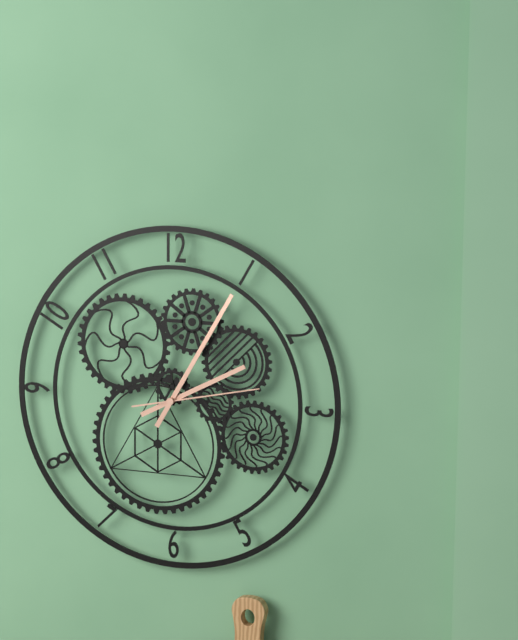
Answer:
**2:05:13**
